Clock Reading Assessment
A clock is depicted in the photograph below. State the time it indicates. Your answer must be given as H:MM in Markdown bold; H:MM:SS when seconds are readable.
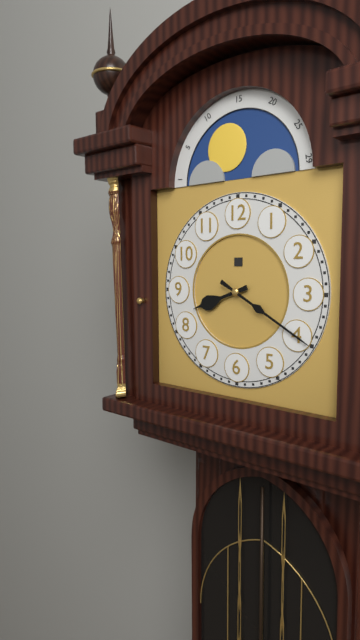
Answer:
**8:20**
